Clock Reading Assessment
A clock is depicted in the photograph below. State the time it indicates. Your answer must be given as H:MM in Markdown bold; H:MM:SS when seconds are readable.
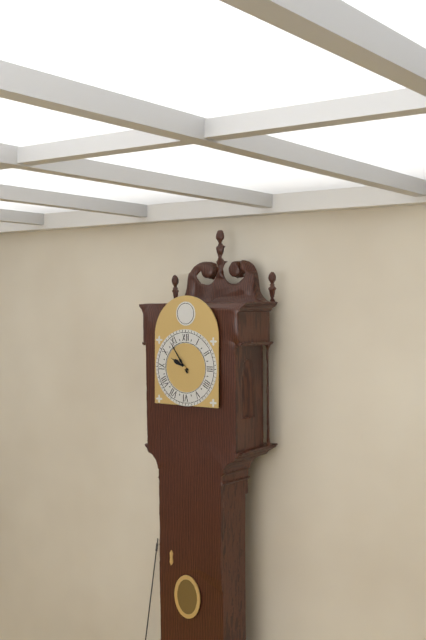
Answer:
**9:54**
